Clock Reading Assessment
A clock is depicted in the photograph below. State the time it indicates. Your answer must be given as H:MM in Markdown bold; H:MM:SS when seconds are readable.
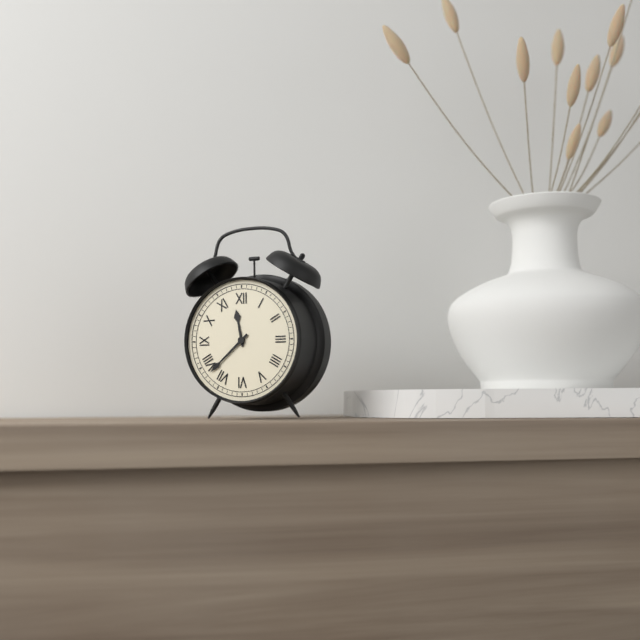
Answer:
**11:38**
